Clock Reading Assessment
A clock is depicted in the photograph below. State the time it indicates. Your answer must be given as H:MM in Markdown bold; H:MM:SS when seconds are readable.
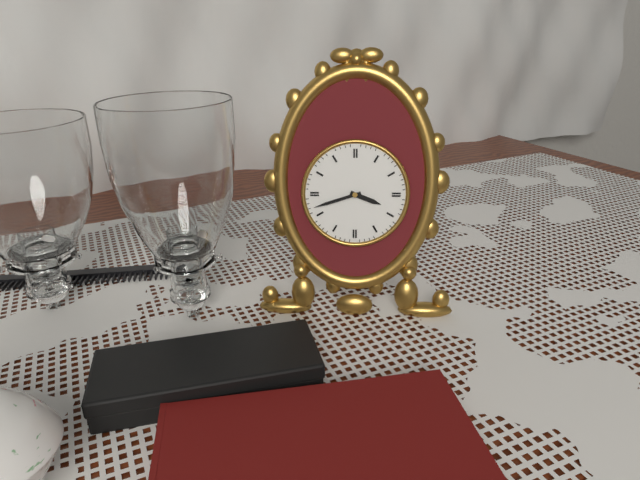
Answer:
**3:42**
